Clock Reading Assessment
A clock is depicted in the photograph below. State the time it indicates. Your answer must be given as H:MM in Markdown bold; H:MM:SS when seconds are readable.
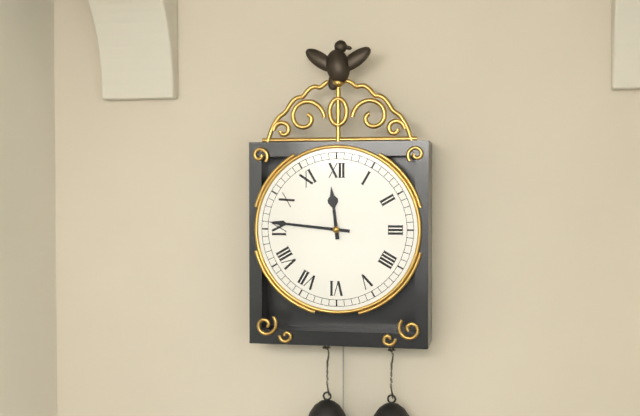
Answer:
**11:46**
